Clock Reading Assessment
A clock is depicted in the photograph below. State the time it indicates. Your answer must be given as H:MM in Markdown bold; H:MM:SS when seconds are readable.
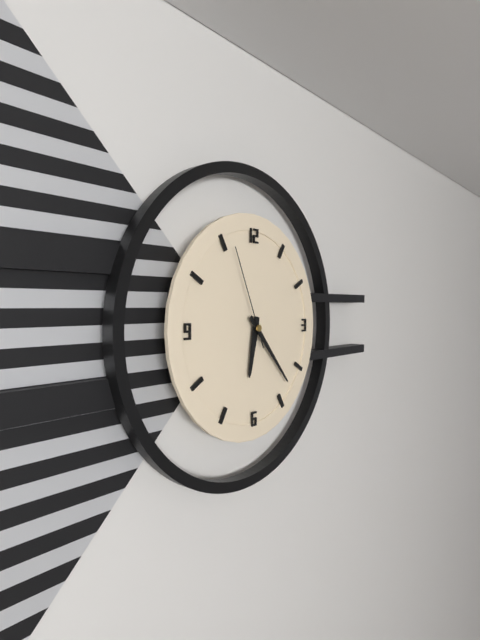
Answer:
**6:23:56**
